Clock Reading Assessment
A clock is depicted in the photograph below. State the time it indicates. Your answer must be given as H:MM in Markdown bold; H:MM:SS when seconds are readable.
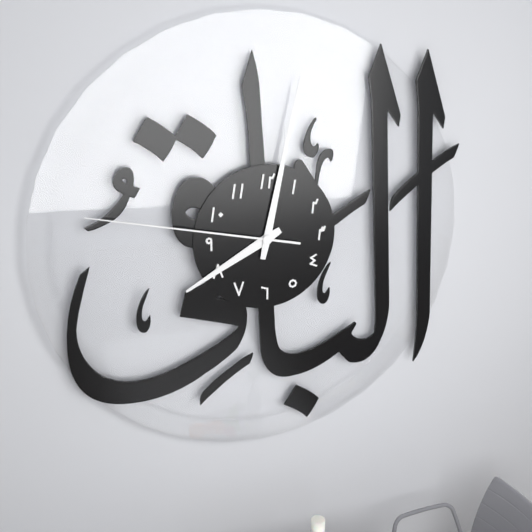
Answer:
**8:02:47**
